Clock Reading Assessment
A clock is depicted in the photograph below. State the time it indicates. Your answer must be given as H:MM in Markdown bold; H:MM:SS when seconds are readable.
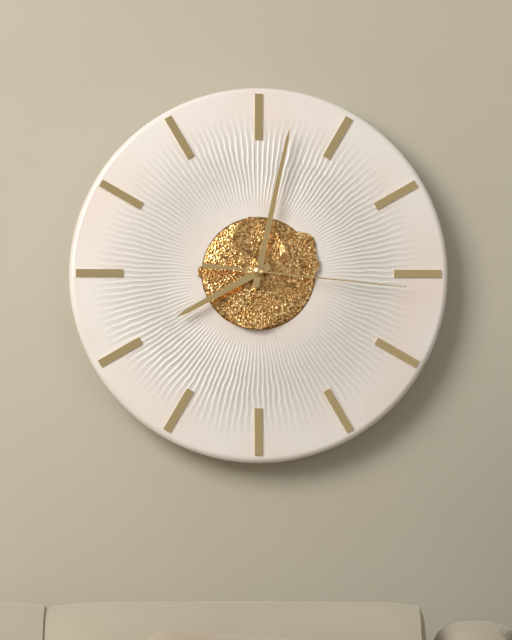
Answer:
**8:02:16**
